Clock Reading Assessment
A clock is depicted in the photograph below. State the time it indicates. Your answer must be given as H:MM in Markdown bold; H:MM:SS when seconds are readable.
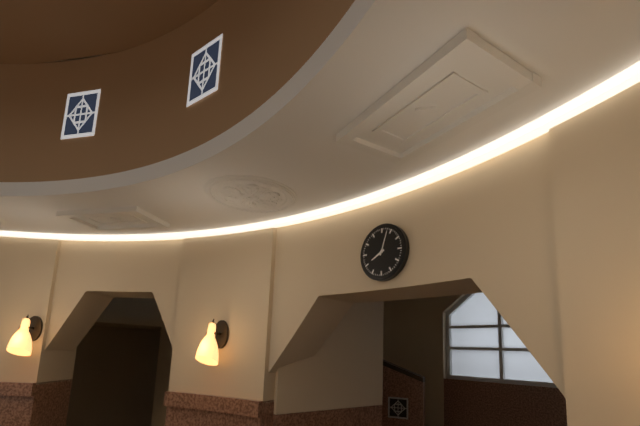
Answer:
**8:03**
